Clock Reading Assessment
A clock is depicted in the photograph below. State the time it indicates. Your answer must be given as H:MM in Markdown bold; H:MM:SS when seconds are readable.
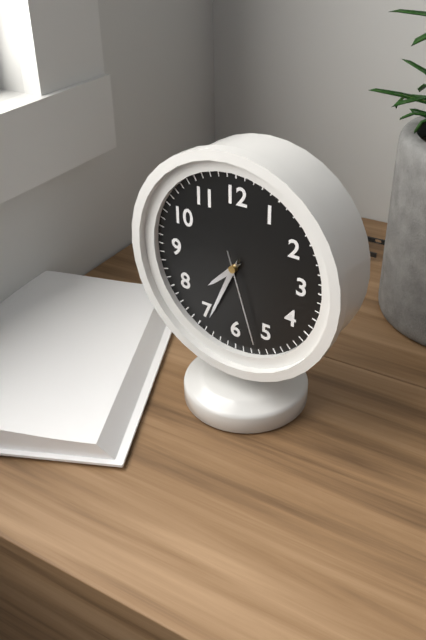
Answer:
**7:34:27**
